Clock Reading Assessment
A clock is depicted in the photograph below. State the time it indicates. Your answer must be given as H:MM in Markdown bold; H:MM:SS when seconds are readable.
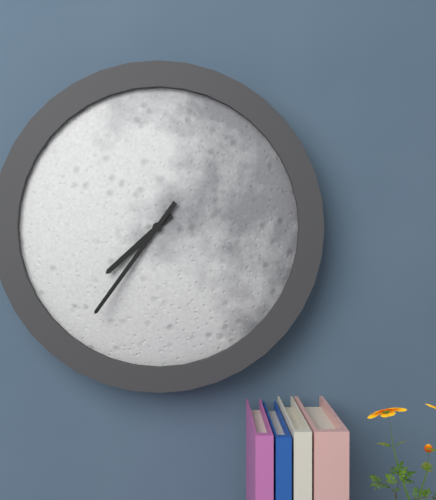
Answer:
**7:36**
